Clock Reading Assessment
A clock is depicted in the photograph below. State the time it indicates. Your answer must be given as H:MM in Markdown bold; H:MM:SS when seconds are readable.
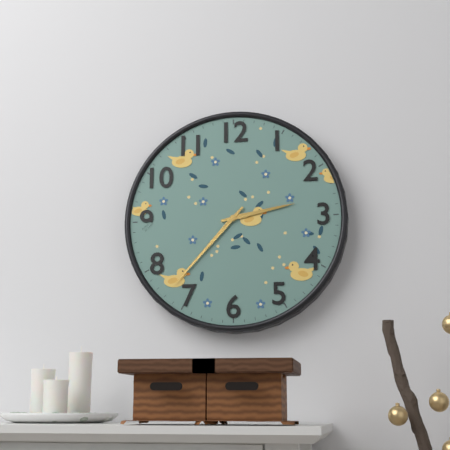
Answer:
**2:37**
